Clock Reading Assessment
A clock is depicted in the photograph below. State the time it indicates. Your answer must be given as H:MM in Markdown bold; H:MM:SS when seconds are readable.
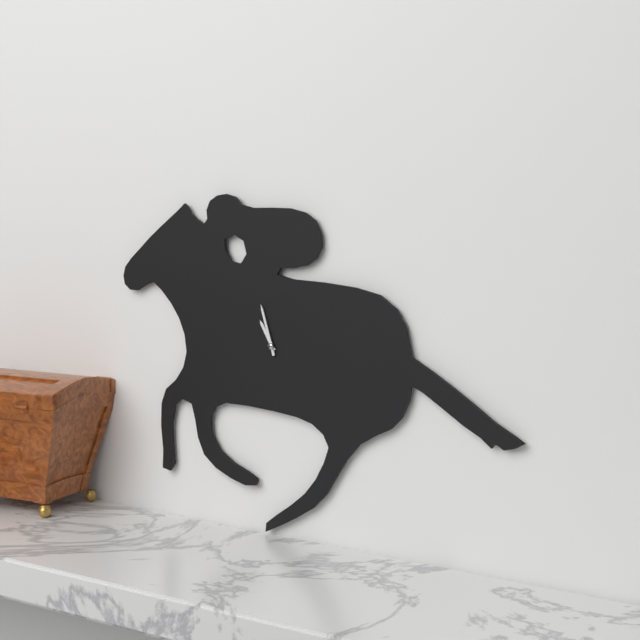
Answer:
**10:57**
